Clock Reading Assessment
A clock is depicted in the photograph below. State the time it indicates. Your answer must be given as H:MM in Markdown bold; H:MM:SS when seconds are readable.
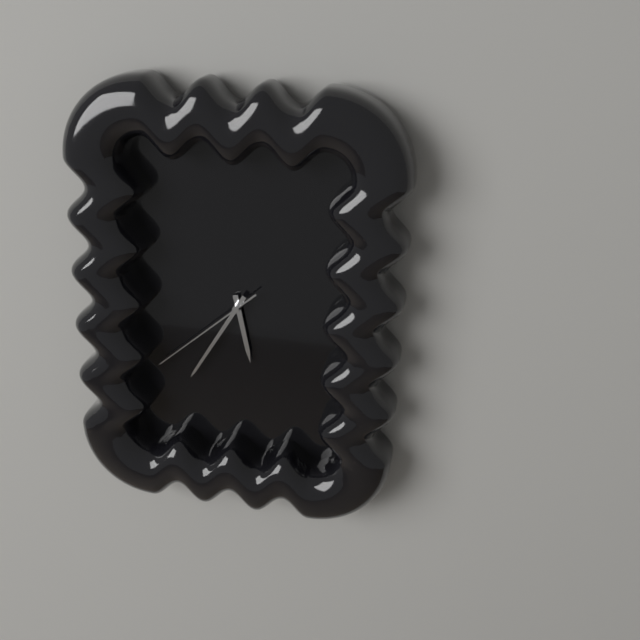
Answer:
**5:35:38**
